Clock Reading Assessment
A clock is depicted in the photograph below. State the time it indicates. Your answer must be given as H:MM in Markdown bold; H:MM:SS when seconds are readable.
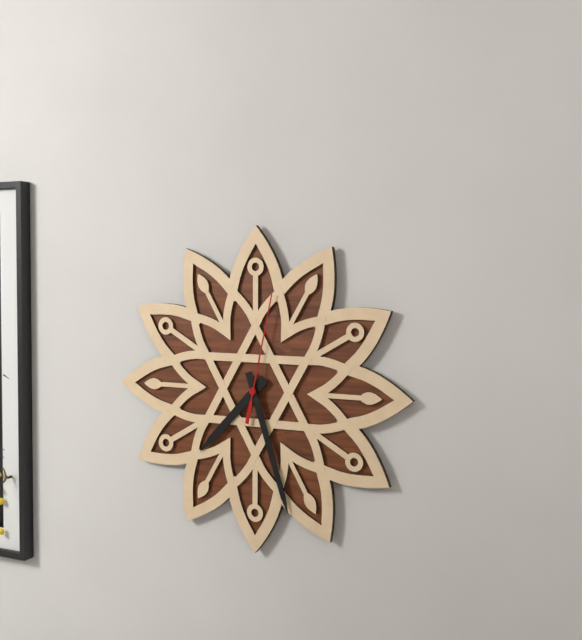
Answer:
**7:27:02**
